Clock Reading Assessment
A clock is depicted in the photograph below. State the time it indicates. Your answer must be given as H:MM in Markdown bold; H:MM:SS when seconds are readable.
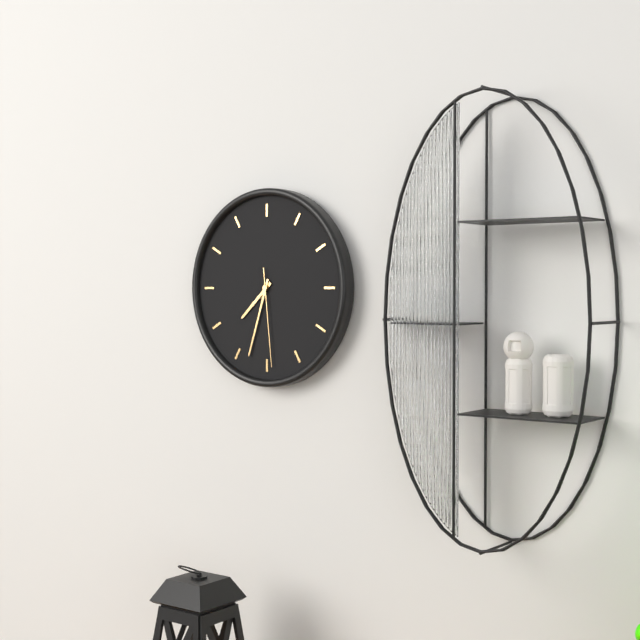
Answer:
**7:33:29**
